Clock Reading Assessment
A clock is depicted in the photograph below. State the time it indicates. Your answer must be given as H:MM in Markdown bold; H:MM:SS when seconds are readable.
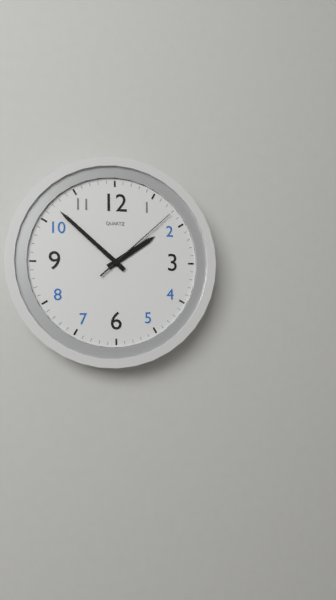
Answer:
**1:52:08**
